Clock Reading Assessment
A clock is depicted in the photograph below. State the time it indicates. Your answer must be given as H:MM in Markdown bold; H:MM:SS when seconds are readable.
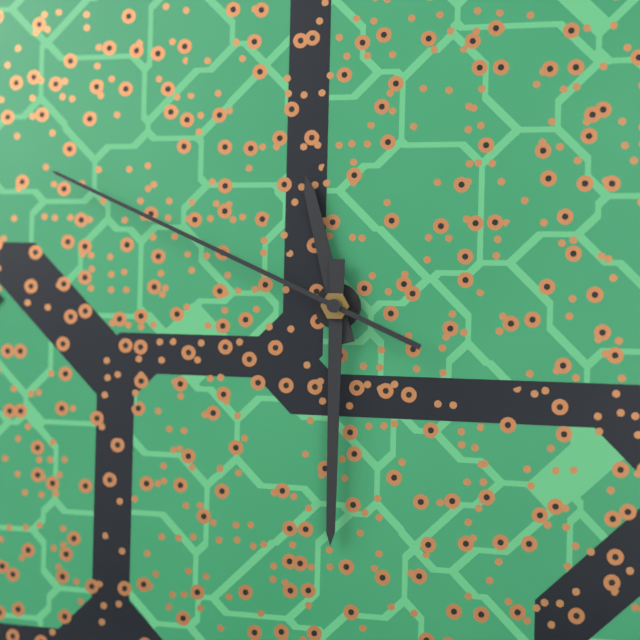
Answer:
**11:30:49**
